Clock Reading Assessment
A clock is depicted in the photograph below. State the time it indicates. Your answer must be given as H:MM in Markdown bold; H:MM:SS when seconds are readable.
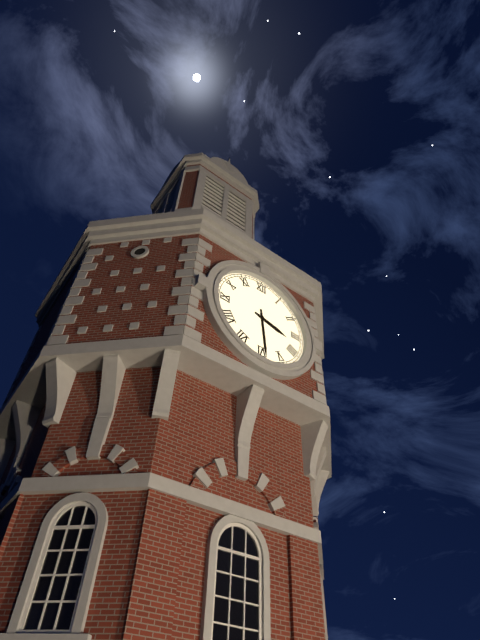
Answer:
**3:29**
